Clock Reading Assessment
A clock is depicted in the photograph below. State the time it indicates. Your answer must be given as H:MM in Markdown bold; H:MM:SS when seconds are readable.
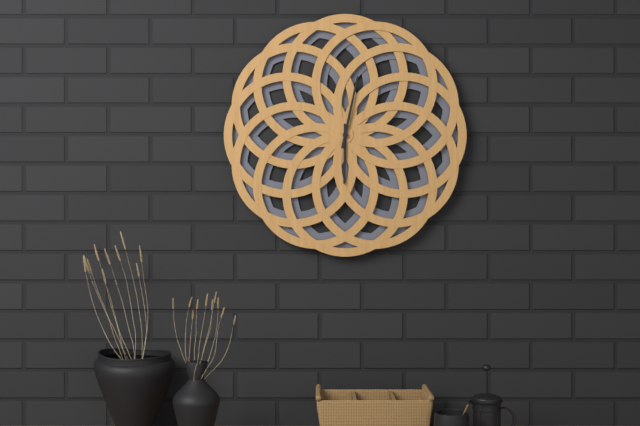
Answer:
**6:02**
